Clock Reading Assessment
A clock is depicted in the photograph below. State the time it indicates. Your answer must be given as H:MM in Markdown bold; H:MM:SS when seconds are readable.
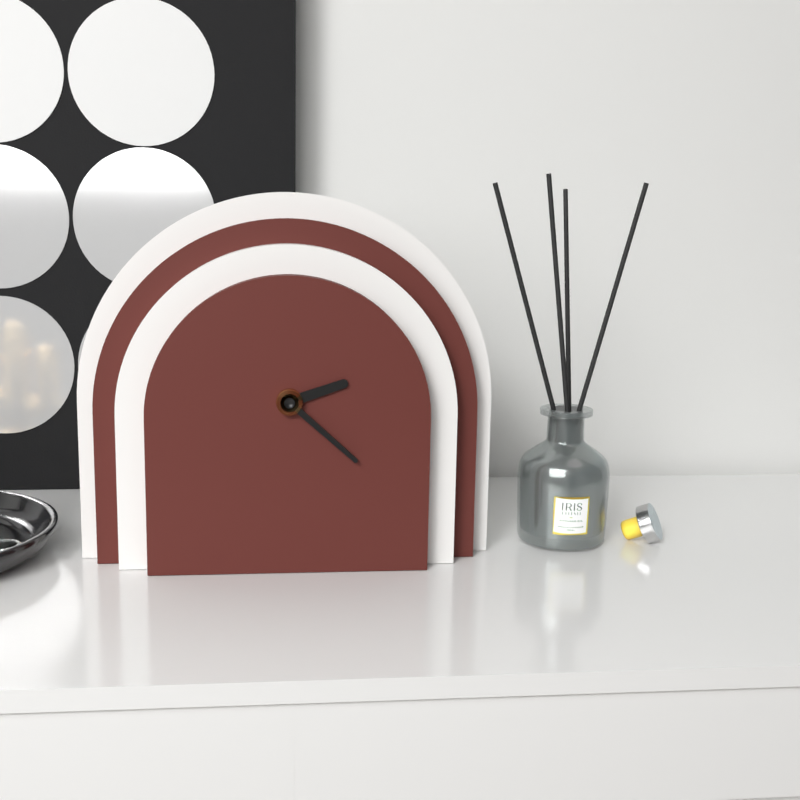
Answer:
**2:22**
